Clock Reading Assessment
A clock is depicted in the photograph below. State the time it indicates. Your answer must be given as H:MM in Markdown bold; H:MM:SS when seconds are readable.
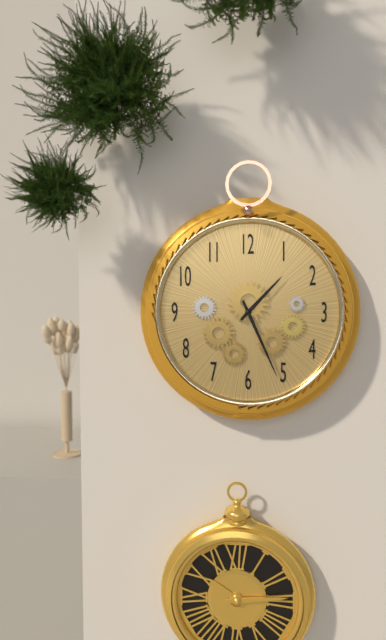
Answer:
**1:26**
